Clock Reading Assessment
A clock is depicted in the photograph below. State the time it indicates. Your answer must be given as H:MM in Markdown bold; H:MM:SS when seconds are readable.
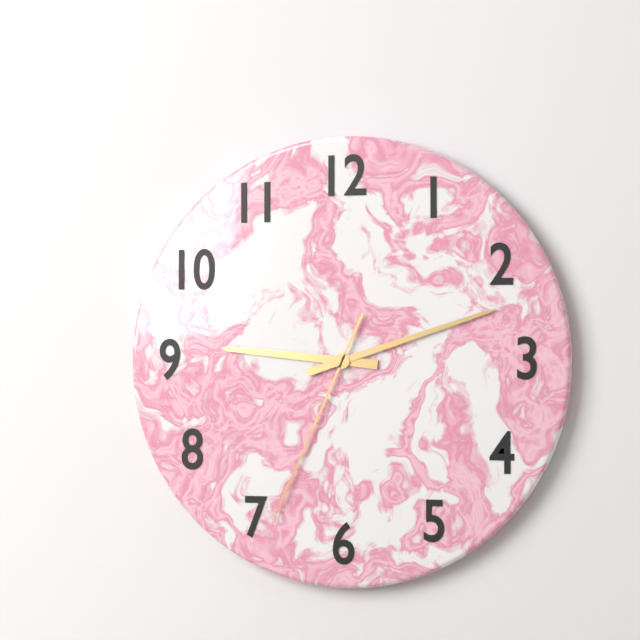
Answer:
**9:12:34**
